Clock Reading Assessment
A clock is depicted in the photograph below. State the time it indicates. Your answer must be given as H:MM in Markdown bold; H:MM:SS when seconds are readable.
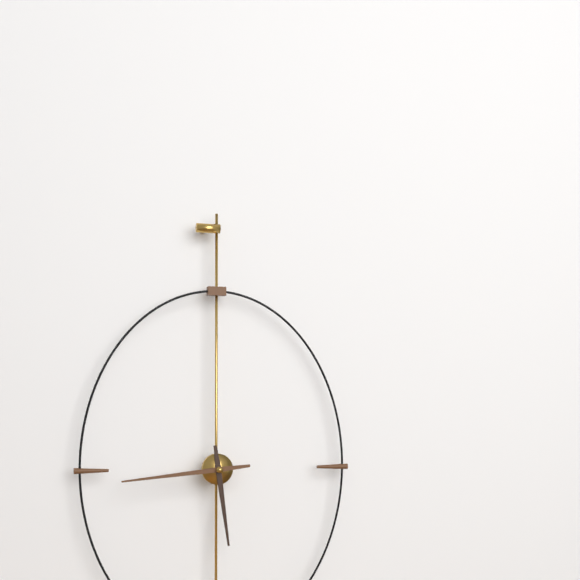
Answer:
**5:44**
